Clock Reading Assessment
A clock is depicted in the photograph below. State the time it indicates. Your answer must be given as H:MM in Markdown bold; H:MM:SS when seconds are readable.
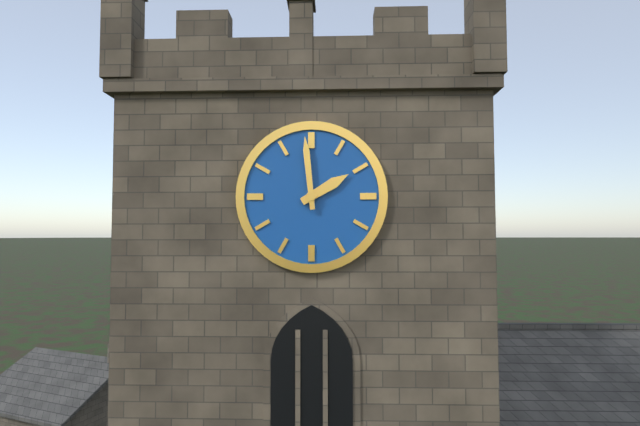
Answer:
**1:59**
